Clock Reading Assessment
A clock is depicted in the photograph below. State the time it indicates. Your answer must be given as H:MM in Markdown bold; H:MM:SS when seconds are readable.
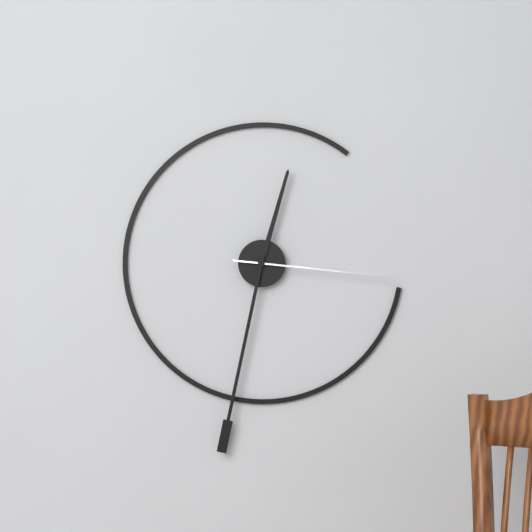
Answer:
**12:32:16**
